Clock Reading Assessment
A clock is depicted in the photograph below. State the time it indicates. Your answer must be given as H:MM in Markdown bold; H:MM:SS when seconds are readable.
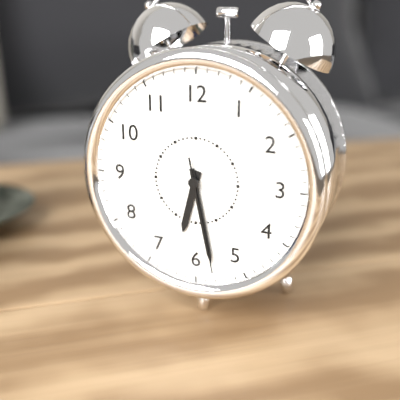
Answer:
**6:28:28**
